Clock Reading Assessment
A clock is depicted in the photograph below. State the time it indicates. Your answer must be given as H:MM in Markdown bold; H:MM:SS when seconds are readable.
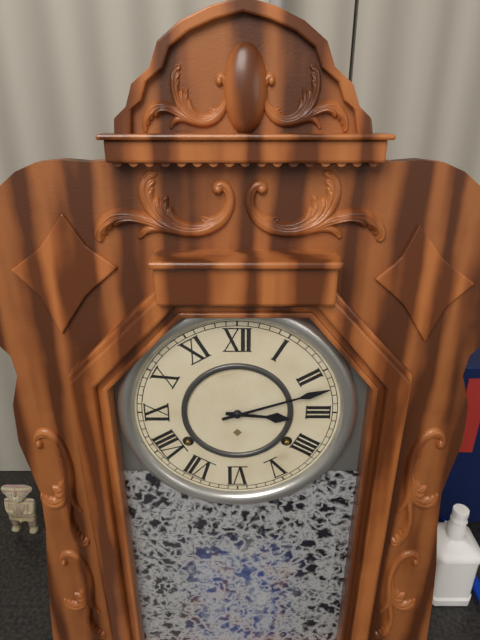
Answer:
**3:12**
